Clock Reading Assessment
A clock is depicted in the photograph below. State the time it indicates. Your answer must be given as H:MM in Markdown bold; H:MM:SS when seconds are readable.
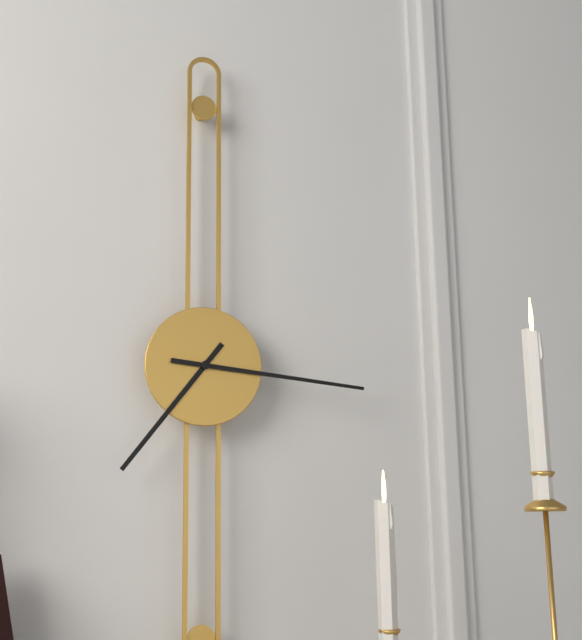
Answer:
**7:16**
